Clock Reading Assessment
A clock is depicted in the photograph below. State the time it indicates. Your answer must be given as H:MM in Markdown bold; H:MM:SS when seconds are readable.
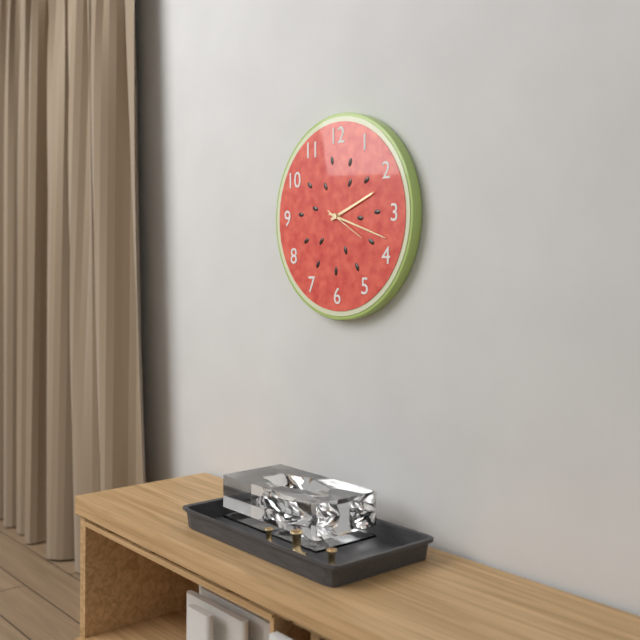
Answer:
**2:18**
